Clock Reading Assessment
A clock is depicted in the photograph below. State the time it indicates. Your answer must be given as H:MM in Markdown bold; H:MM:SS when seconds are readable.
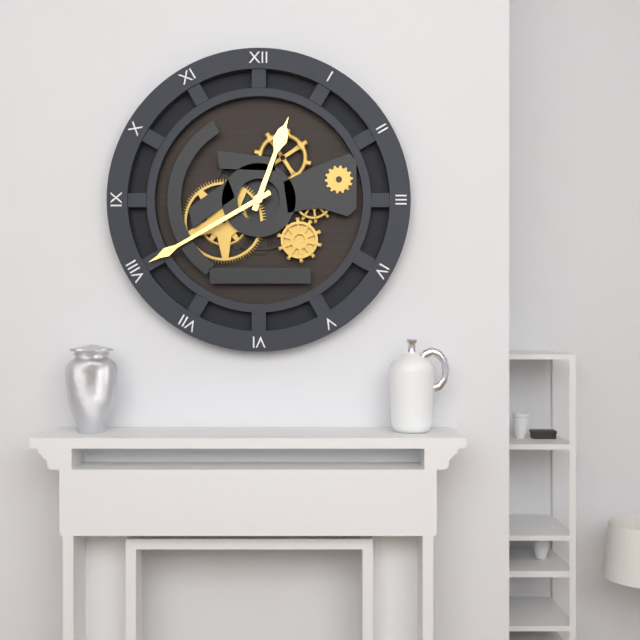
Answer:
**12:40**
